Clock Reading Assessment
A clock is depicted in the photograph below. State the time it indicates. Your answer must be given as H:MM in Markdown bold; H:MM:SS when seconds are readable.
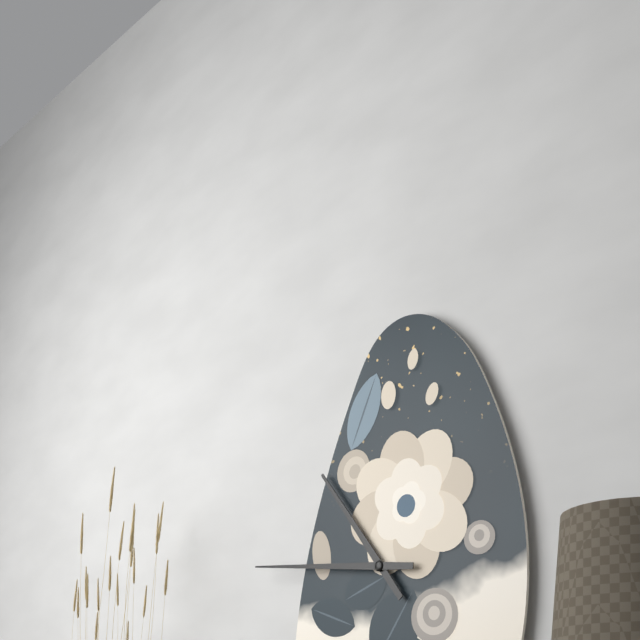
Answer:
**10:46**
